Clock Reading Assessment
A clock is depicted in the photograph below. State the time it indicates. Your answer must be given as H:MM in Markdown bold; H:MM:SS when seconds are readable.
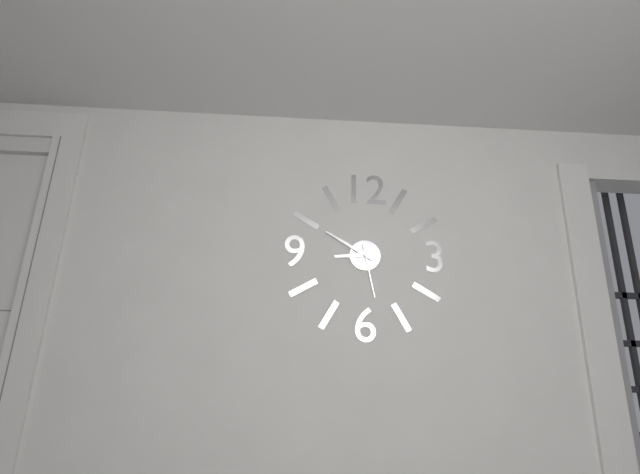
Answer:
**8:50:28**
